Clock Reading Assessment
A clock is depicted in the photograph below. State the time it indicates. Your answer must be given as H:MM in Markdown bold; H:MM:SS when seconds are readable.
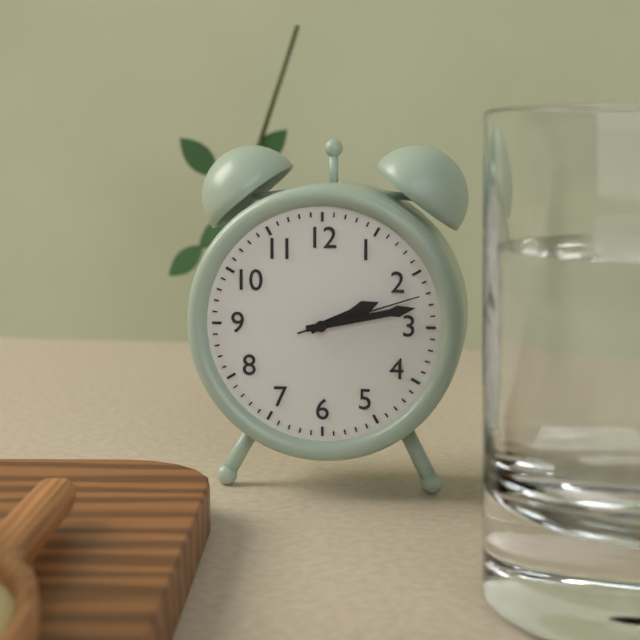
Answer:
**2:13:12**
